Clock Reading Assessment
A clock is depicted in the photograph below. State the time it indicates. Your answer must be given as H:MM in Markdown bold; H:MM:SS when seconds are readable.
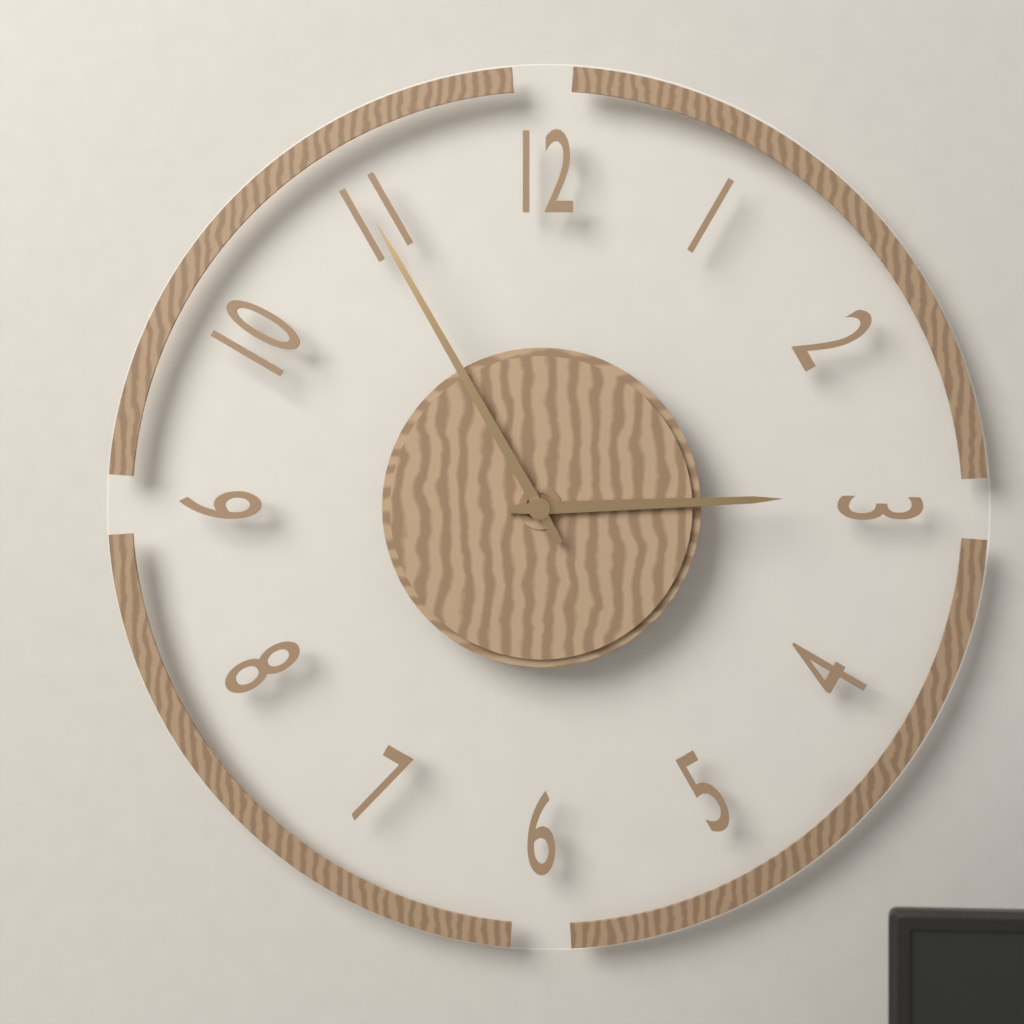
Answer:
**2:55**
